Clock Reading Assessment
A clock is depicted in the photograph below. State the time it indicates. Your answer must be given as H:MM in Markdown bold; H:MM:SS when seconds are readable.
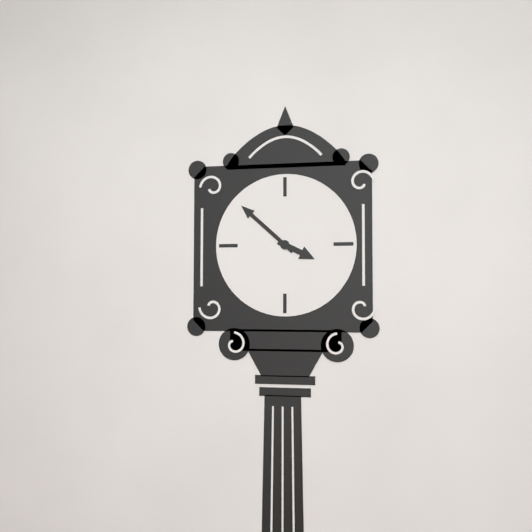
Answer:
**3:52**
